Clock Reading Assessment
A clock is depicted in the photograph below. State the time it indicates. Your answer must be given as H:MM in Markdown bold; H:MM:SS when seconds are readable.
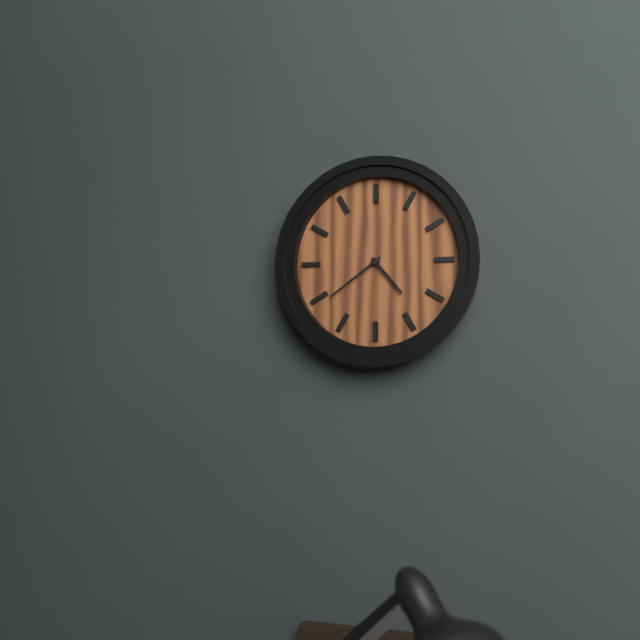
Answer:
**4:39**
